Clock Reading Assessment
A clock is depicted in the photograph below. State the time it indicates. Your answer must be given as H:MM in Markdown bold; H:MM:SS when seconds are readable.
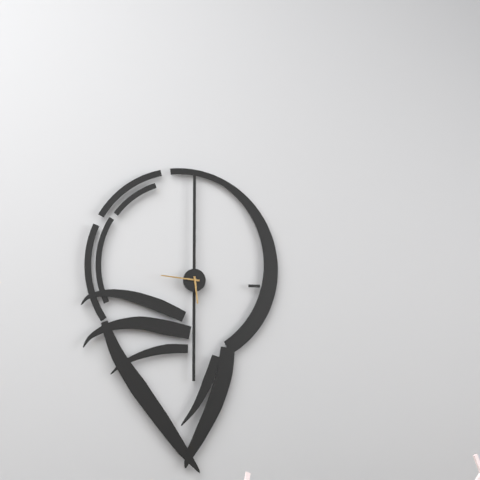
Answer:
**5:46**
